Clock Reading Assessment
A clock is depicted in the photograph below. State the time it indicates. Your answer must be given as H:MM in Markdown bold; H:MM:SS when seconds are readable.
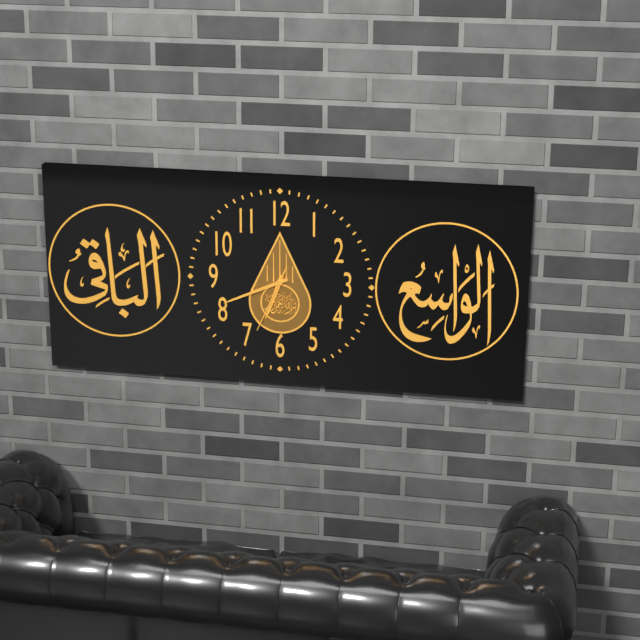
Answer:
**6:41:34**
